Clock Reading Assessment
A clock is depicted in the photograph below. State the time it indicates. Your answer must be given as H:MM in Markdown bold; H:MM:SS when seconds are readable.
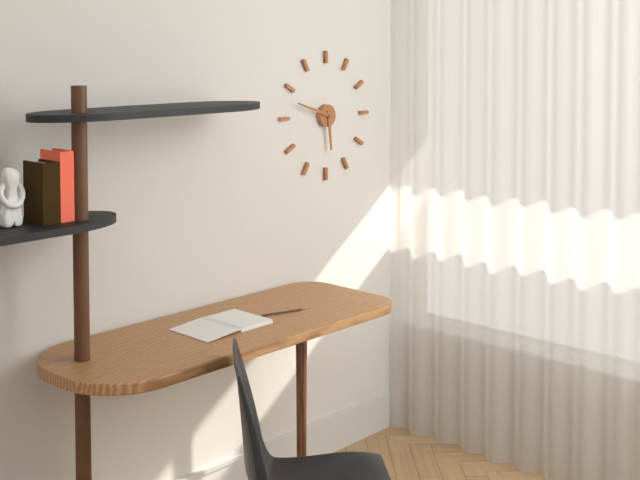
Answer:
**5:48**
